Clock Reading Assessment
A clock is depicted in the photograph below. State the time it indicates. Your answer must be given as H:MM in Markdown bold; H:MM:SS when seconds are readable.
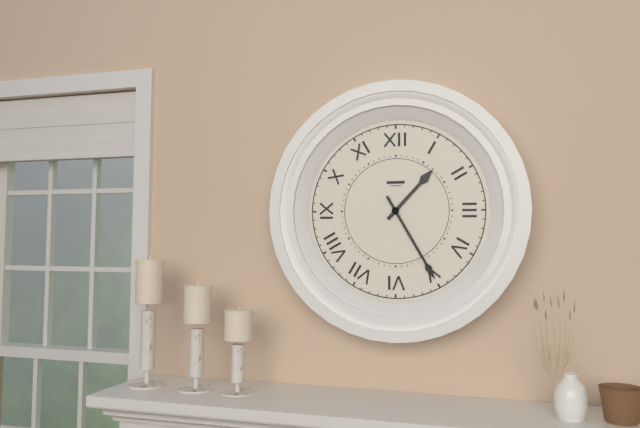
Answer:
**1:25**
